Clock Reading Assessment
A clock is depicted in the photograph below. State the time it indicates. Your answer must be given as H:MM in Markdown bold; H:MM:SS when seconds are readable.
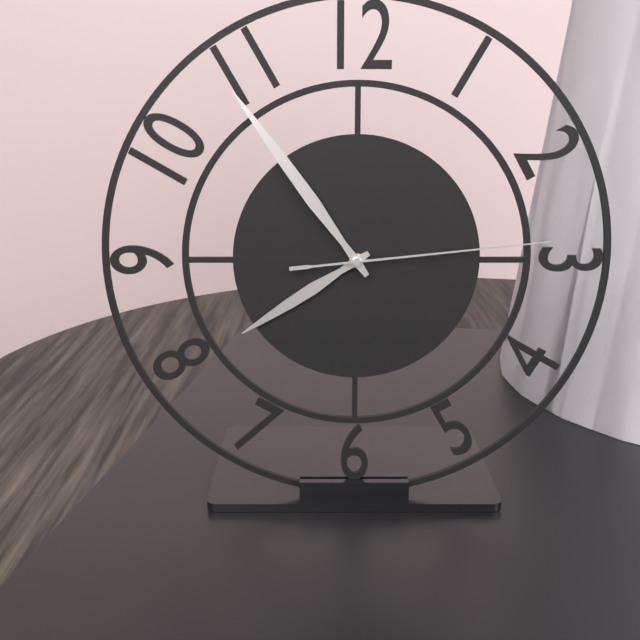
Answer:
**7:54:14**
